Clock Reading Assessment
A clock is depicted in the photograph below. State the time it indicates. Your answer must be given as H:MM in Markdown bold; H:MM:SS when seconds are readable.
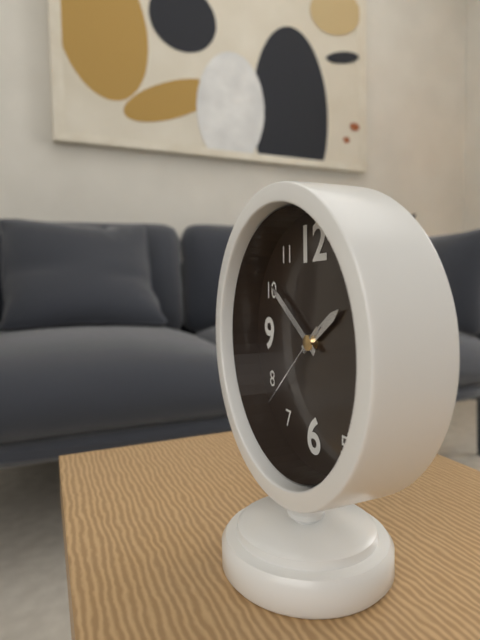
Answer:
**1:51:38**
